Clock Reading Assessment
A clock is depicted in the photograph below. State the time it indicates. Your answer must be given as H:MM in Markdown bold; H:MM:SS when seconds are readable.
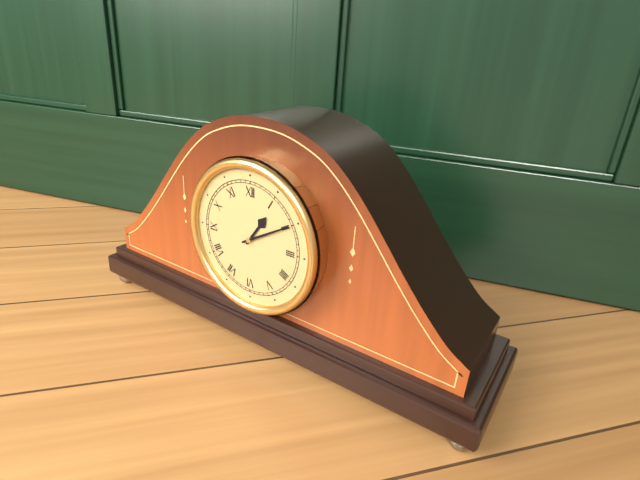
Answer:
**1:10**
